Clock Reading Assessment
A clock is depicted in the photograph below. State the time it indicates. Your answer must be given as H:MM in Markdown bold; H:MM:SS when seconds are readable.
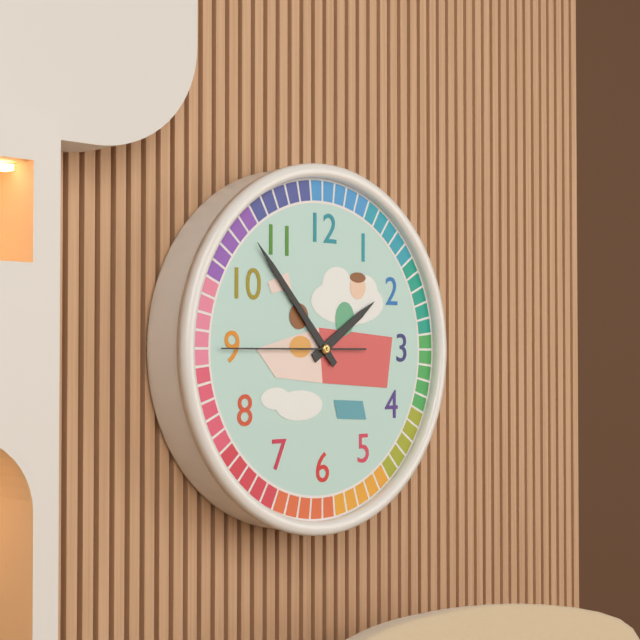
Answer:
**1:53:45**
